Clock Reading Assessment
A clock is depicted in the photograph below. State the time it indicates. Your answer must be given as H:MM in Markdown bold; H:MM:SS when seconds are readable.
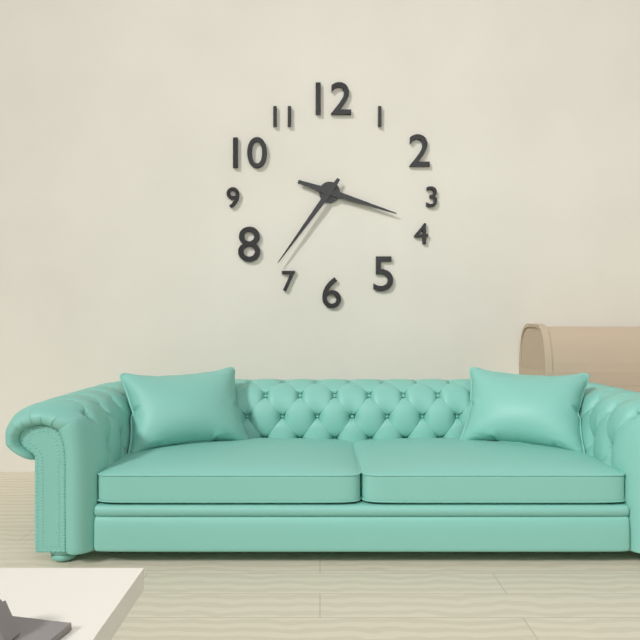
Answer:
**3:36**
